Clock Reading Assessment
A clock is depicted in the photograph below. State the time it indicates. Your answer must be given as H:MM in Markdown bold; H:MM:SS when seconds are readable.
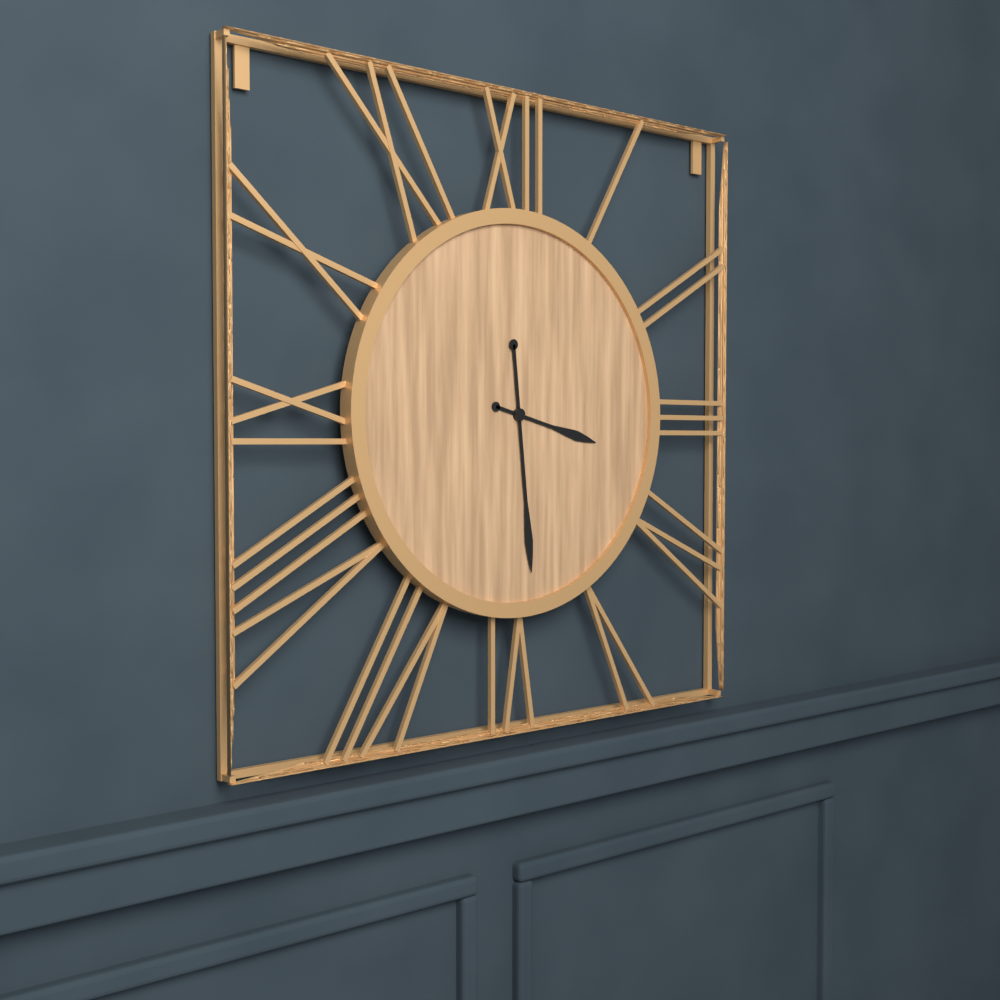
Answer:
**3:29**
